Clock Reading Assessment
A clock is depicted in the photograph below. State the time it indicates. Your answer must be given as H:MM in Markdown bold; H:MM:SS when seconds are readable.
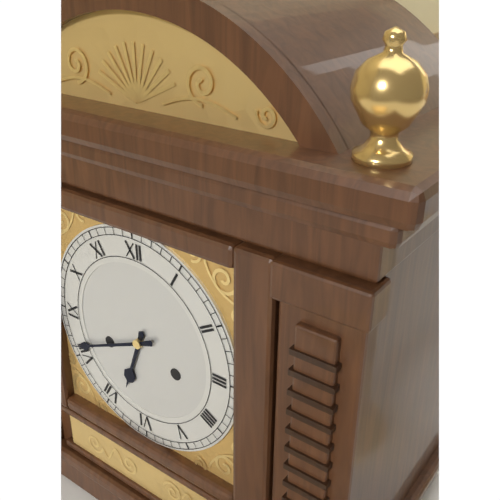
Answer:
**6:41**
